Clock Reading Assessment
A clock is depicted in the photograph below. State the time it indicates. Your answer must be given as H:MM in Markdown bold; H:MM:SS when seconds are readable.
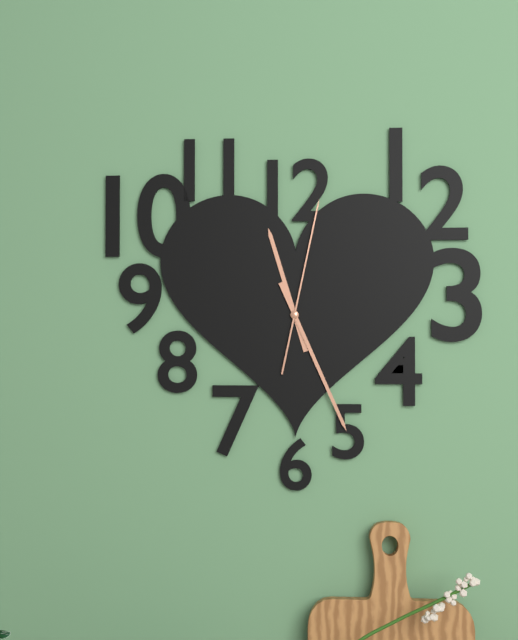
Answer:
**11:26:02**
